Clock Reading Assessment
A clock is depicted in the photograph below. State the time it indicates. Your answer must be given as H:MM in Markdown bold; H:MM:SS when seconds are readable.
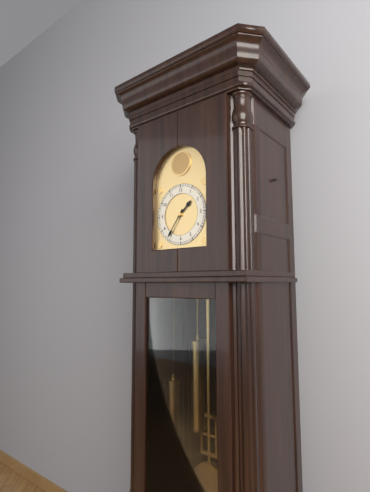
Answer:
**1:36**
